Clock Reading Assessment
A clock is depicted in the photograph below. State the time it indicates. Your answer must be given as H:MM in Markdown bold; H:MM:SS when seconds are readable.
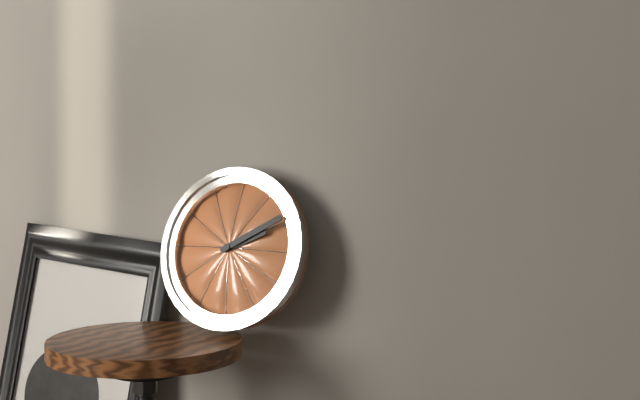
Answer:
**2:10**
